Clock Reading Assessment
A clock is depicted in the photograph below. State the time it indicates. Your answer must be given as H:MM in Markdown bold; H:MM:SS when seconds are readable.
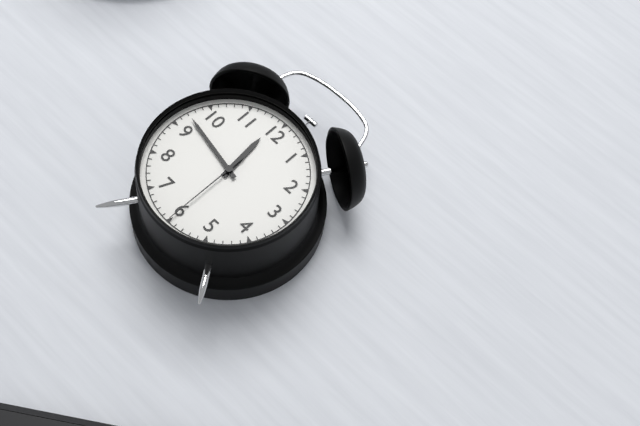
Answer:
**11:47:30**
